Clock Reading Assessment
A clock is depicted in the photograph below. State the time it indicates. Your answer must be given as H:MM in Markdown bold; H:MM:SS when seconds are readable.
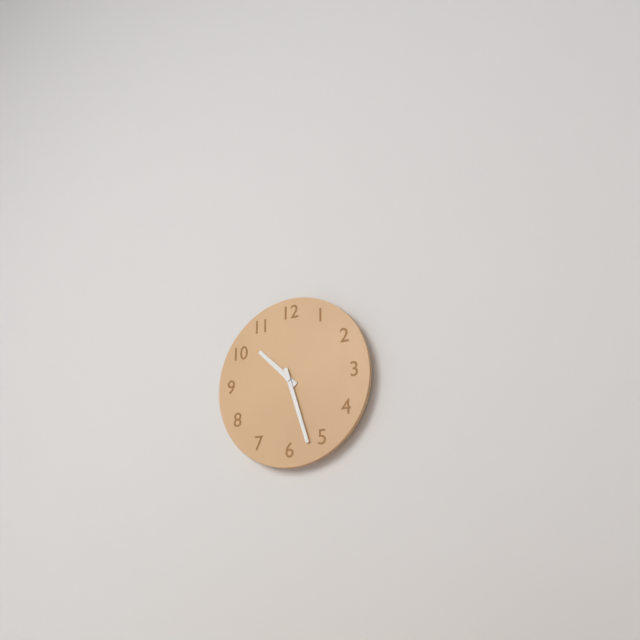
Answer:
**10:27**
